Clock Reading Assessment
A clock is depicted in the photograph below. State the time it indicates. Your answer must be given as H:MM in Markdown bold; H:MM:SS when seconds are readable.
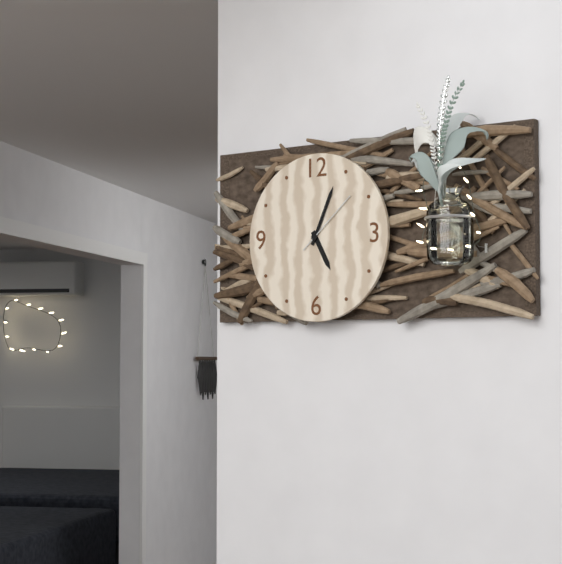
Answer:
**5:04:08**
